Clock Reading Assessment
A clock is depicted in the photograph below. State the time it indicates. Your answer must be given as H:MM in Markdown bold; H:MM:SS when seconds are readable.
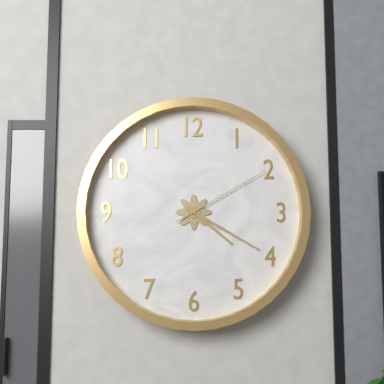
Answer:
**4:20:10**
